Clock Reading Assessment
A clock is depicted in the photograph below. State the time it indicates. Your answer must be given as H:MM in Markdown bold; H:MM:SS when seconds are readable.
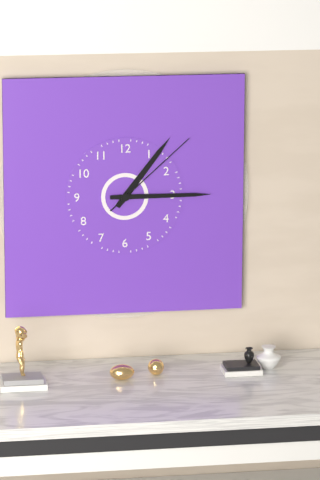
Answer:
**1:15:08**
